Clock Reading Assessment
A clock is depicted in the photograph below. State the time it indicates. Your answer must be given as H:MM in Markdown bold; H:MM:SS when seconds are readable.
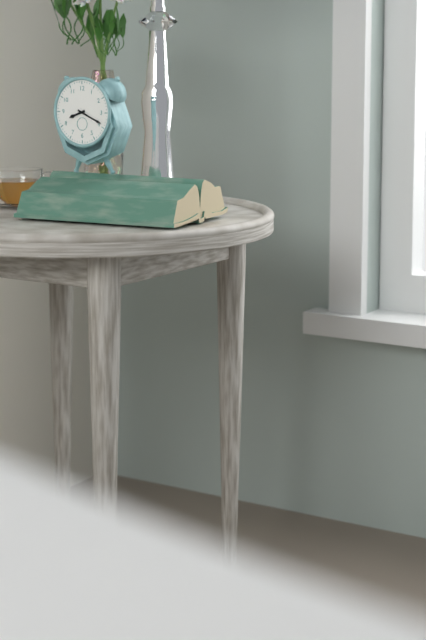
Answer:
**8:19**
